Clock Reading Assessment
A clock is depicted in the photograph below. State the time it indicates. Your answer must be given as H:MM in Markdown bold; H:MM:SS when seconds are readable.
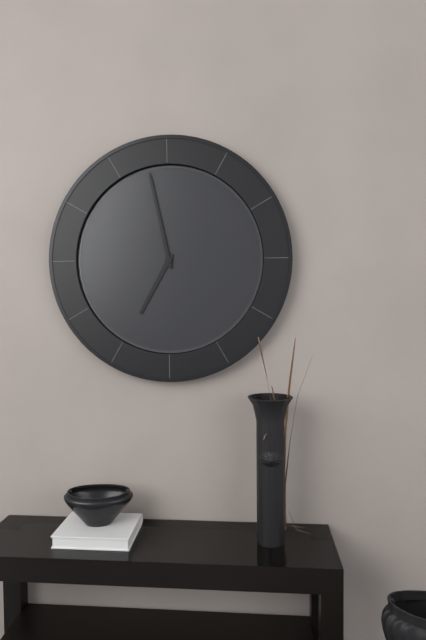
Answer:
**6:58**
